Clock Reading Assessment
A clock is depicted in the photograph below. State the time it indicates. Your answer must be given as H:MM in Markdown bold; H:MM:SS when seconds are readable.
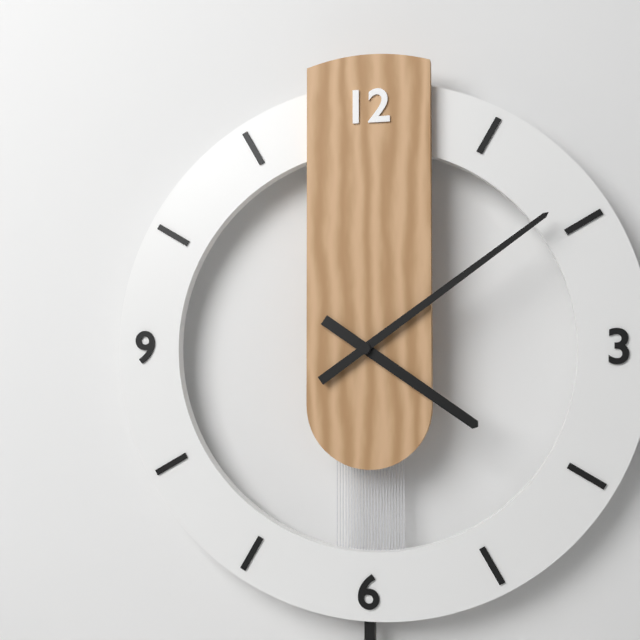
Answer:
**4:09**
